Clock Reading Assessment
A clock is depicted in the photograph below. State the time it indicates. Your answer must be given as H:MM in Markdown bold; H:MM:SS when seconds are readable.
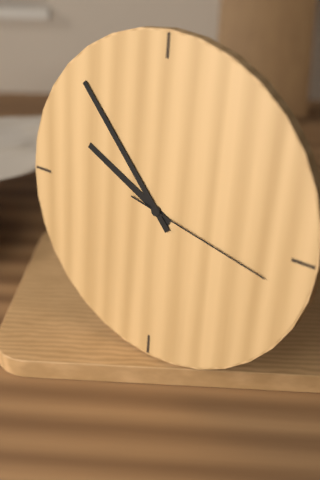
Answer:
**9:53:17**
